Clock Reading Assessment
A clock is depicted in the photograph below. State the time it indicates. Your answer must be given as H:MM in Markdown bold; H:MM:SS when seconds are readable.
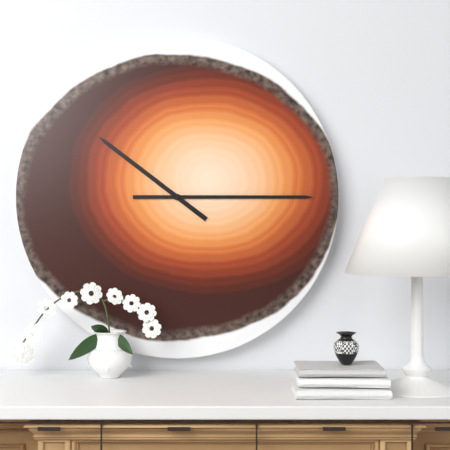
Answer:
**10:15**
